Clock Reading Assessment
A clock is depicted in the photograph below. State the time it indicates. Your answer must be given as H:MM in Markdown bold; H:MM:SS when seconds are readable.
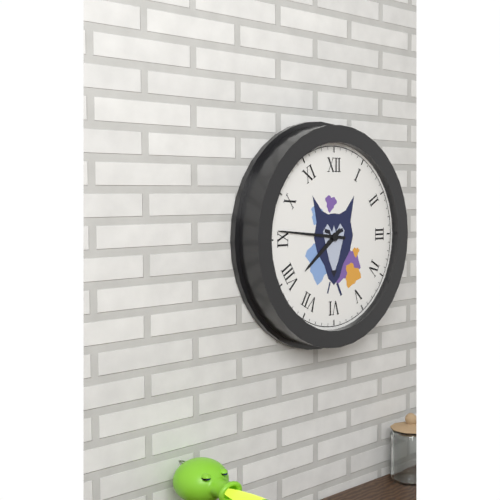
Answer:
**7:46**
